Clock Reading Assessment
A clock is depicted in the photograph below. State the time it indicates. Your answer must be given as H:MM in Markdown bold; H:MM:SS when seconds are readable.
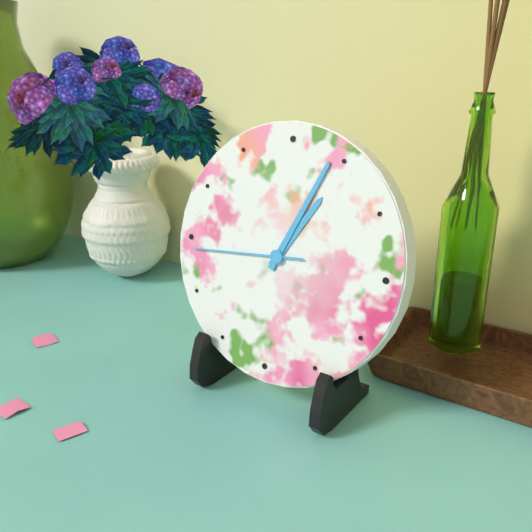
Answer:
**1:04:44**
